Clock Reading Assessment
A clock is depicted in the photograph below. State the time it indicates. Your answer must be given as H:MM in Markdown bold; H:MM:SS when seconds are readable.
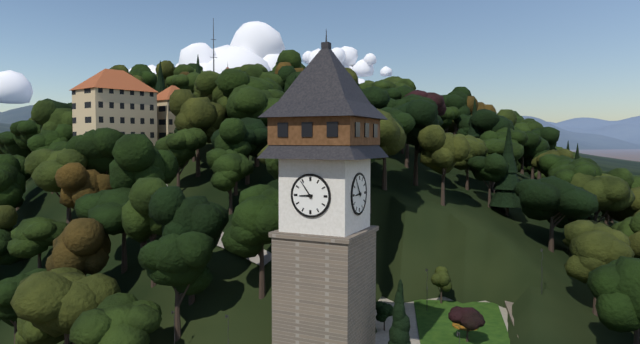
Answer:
**8:54**
